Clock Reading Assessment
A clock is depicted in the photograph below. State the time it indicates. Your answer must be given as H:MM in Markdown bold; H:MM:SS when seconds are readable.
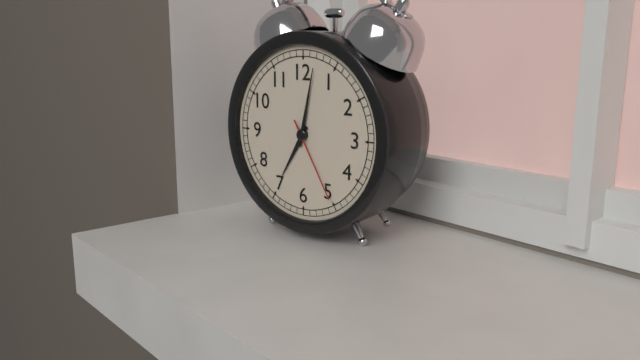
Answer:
**7:02:25**
